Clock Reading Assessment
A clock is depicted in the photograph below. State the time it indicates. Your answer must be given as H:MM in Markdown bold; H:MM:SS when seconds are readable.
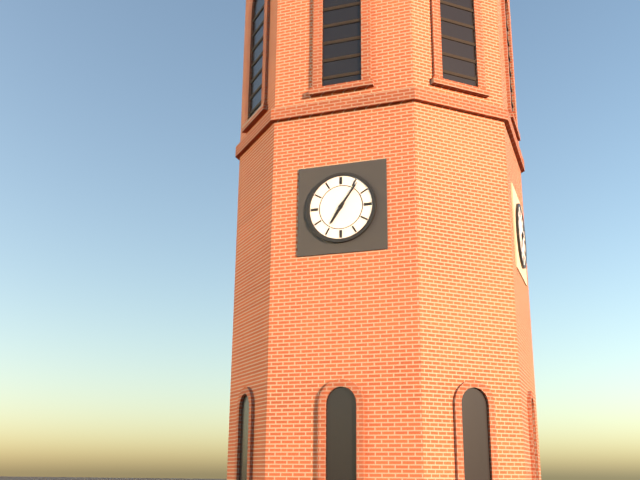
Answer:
**7:06**
